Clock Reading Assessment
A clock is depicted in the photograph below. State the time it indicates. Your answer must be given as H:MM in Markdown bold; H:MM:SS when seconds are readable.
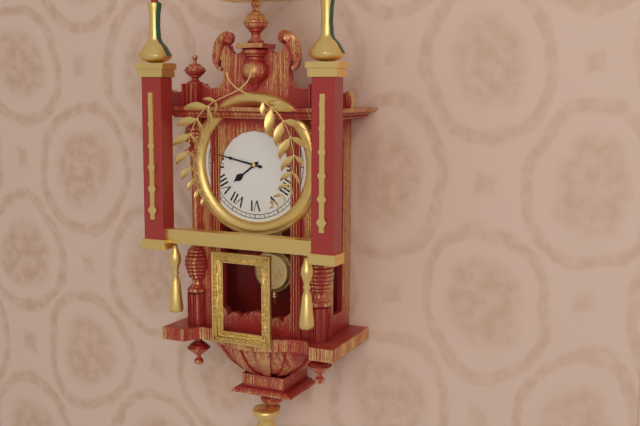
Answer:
**7:47**
